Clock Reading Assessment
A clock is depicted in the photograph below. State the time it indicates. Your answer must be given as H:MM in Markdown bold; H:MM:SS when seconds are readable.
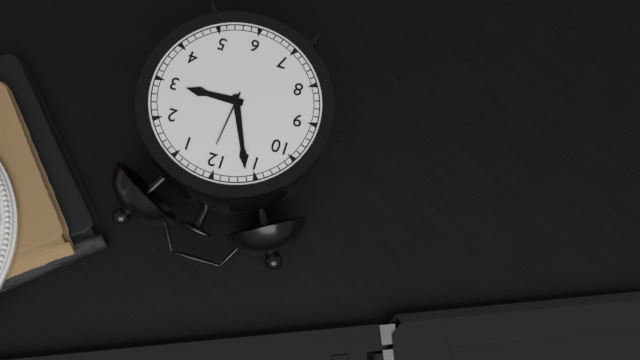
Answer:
**2:56**
